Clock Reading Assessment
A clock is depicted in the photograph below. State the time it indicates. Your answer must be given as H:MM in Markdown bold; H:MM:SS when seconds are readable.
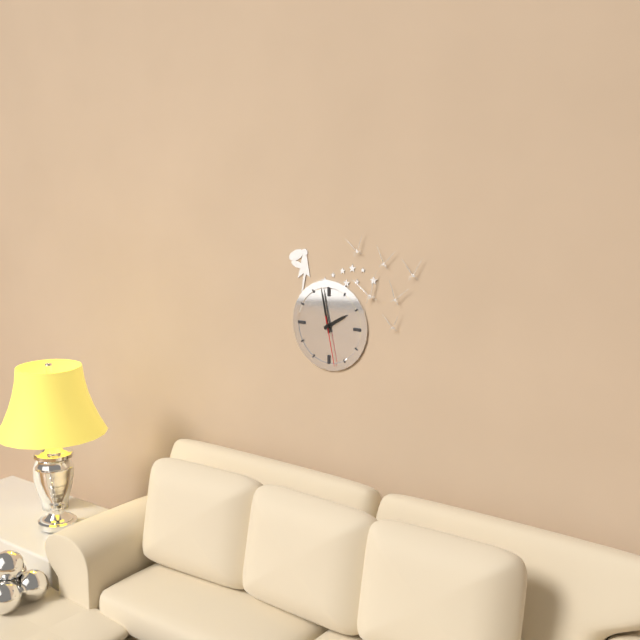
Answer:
**1:58:28**
